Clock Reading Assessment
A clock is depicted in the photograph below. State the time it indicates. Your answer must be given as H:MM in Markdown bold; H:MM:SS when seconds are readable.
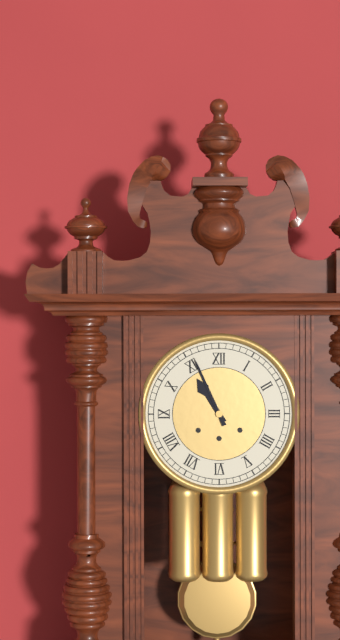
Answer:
**10:56**
